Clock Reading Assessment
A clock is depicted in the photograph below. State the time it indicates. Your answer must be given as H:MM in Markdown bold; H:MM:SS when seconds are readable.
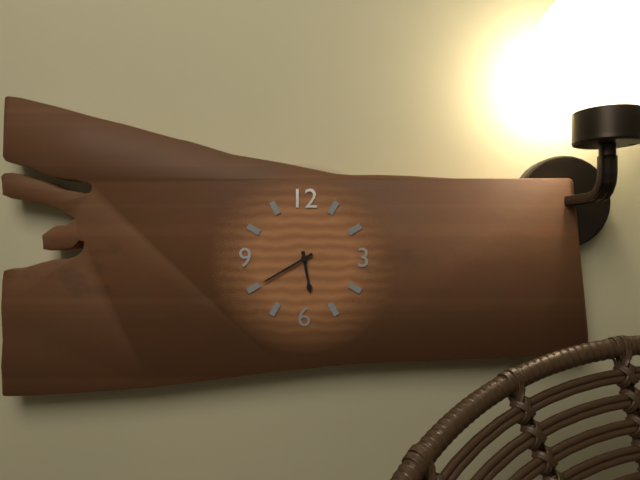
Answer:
**5:40**
